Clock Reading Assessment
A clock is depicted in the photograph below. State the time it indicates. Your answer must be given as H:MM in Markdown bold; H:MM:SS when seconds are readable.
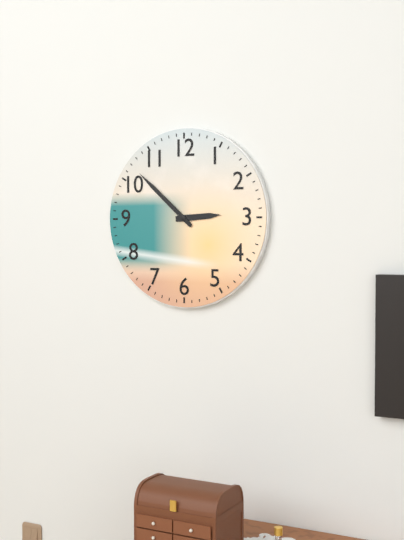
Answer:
**2:52**
